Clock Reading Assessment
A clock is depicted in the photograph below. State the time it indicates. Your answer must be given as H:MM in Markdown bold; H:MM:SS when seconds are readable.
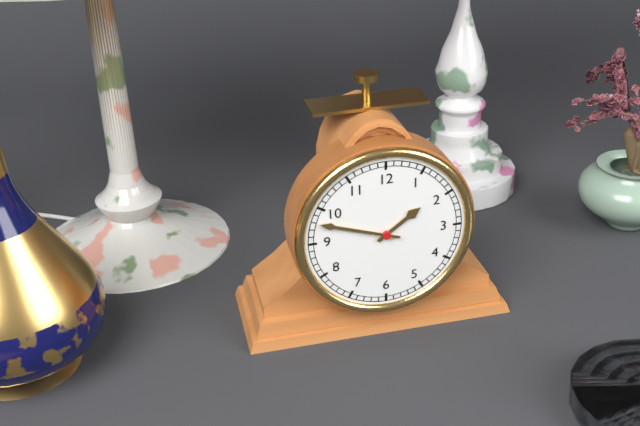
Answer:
**1:48**
